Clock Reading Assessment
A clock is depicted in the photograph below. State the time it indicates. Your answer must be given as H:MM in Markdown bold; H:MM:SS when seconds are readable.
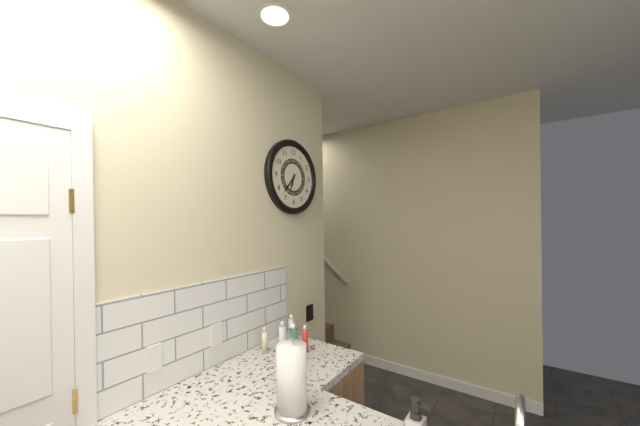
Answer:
**6:37**
